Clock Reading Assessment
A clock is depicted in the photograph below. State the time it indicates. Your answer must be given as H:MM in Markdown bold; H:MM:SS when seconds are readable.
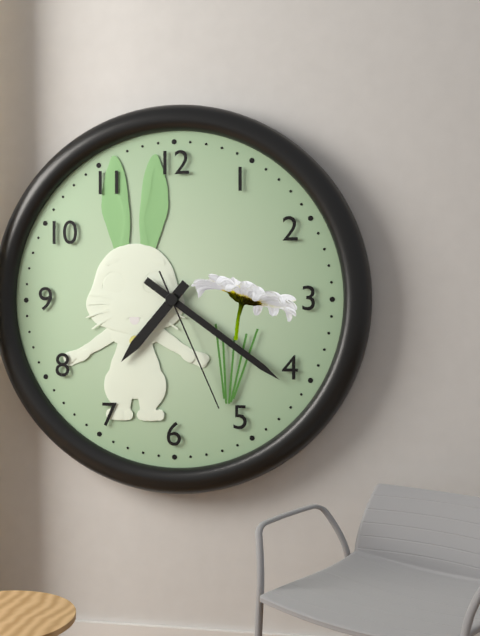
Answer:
**7:21:26**
